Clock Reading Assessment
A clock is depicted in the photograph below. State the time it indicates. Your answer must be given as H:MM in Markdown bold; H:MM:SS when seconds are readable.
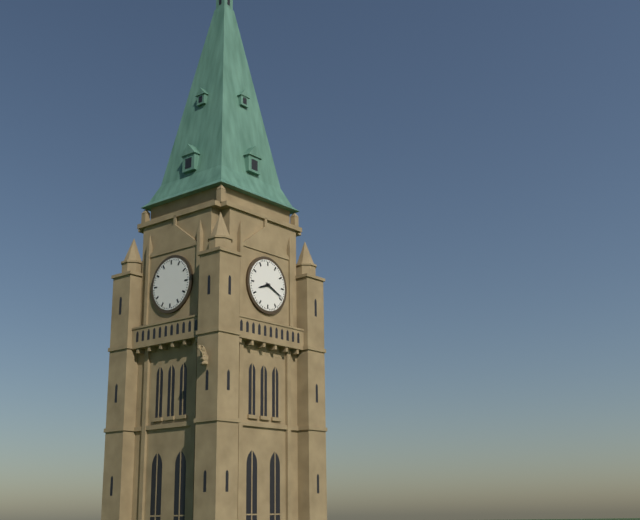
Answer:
**8:19**
